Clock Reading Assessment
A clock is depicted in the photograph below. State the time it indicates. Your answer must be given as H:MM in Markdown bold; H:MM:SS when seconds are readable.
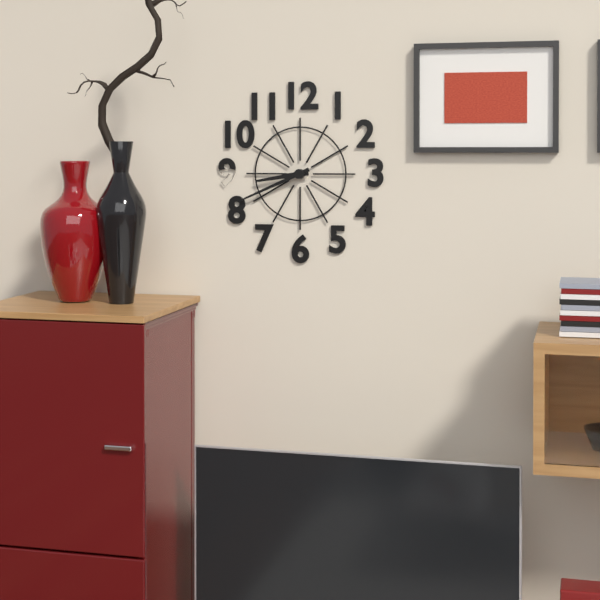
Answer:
**8:41**
